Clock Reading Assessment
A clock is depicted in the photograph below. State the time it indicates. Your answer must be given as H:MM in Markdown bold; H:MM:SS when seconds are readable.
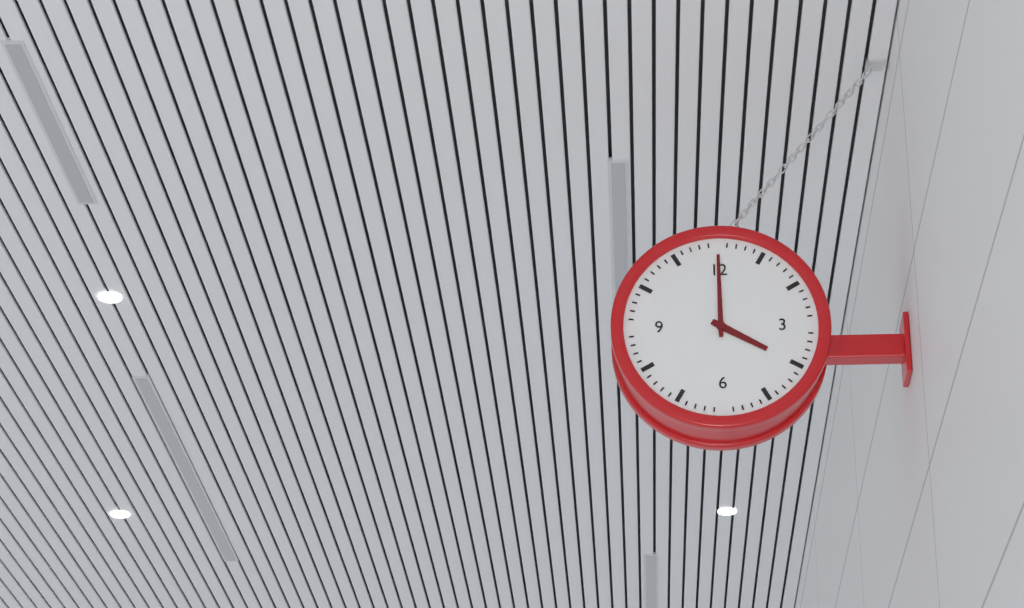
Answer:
**4:00**
